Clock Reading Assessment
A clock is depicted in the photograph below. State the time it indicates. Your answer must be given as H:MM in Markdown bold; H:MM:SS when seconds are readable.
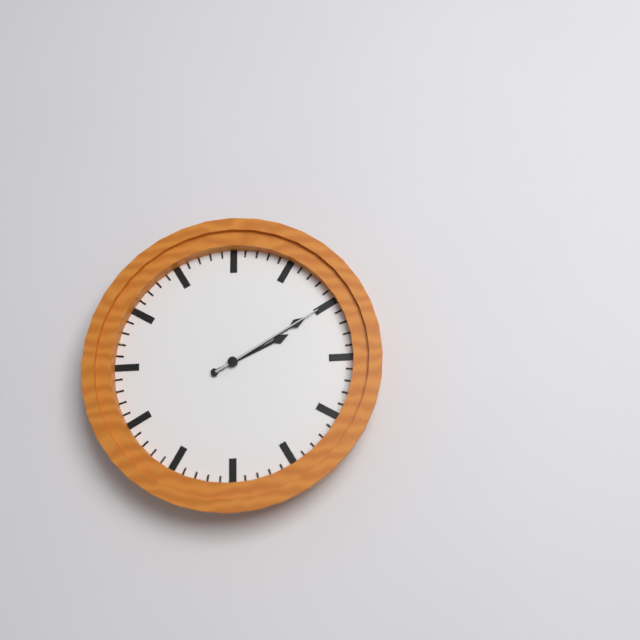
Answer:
**2:10:10**
